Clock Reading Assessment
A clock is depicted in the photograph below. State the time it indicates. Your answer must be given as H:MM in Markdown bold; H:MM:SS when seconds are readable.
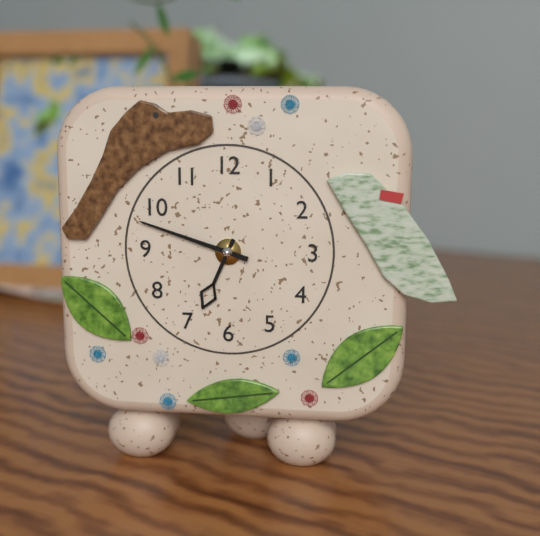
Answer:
**6:48**
